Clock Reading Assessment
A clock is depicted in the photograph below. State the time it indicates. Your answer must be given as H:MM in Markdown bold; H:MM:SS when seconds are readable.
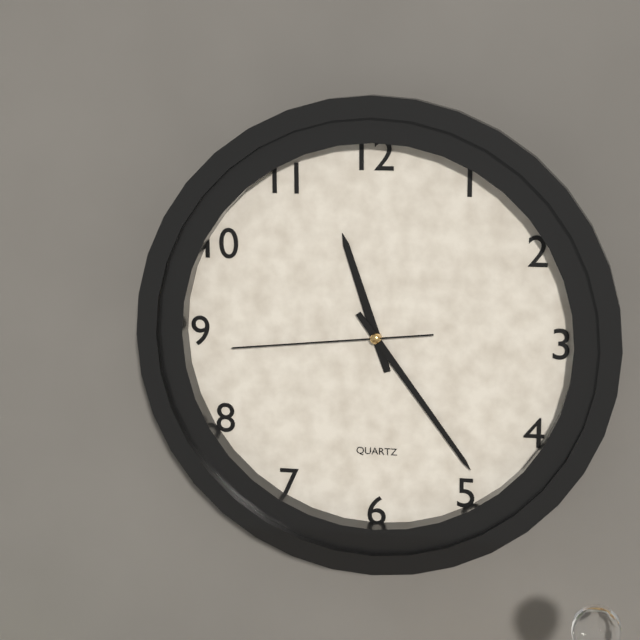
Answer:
**11:24:44**
